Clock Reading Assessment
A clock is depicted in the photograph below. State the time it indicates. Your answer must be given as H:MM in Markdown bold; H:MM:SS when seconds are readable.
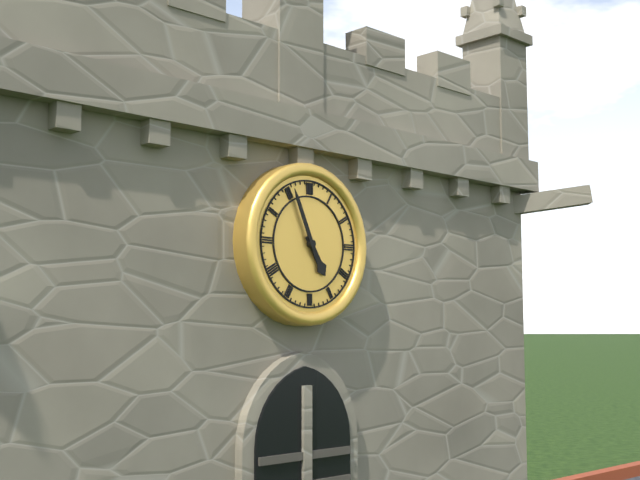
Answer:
**4:56**
